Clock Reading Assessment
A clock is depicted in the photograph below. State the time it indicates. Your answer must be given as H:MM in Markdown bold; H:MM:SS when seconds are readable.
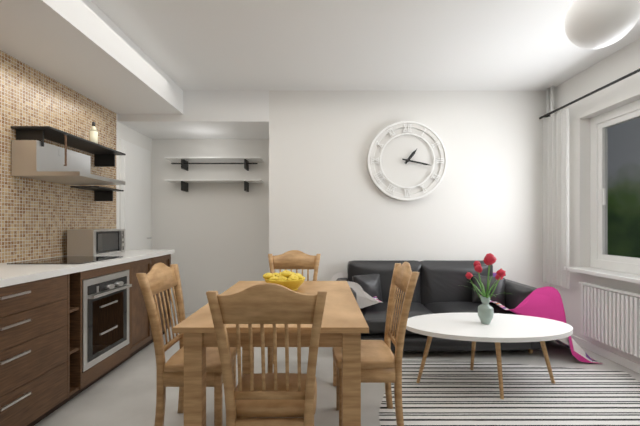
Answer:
**1:17**
